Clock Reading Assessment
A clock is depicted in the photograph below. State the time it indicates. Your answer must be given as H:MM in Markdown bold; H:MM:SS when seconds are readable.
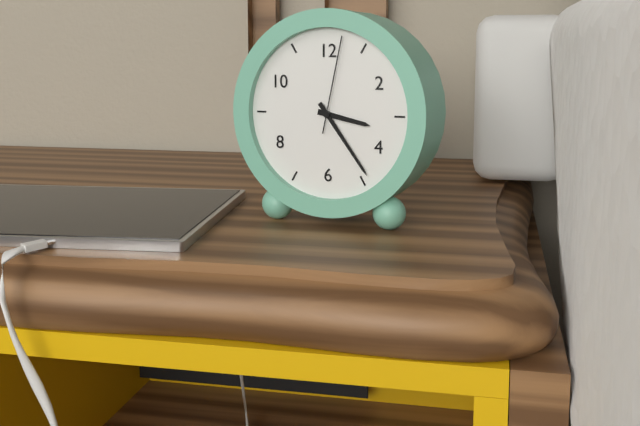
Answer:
**3:24:02**
